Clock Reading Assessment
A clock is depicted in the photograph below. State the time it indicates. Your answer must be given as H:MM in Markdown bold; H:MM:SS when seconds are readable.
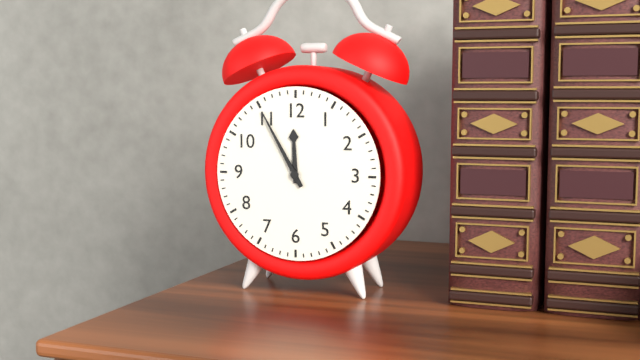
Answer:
**11:55**
